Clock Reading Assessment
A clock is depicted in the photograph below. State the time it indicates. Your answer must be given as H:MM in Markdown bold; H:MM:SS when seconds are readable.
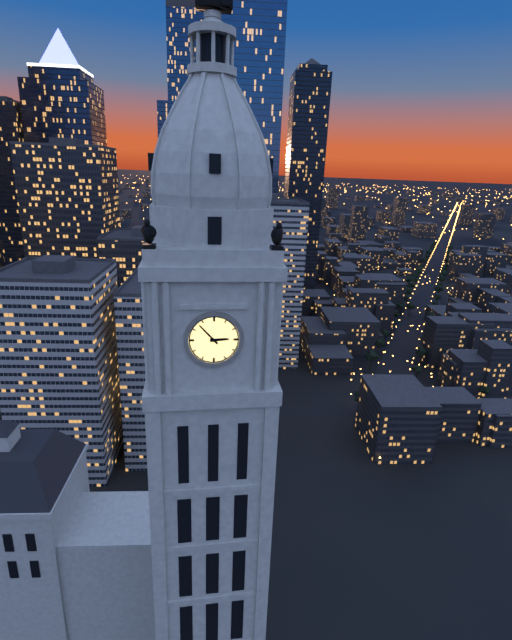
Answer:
**2:53**
